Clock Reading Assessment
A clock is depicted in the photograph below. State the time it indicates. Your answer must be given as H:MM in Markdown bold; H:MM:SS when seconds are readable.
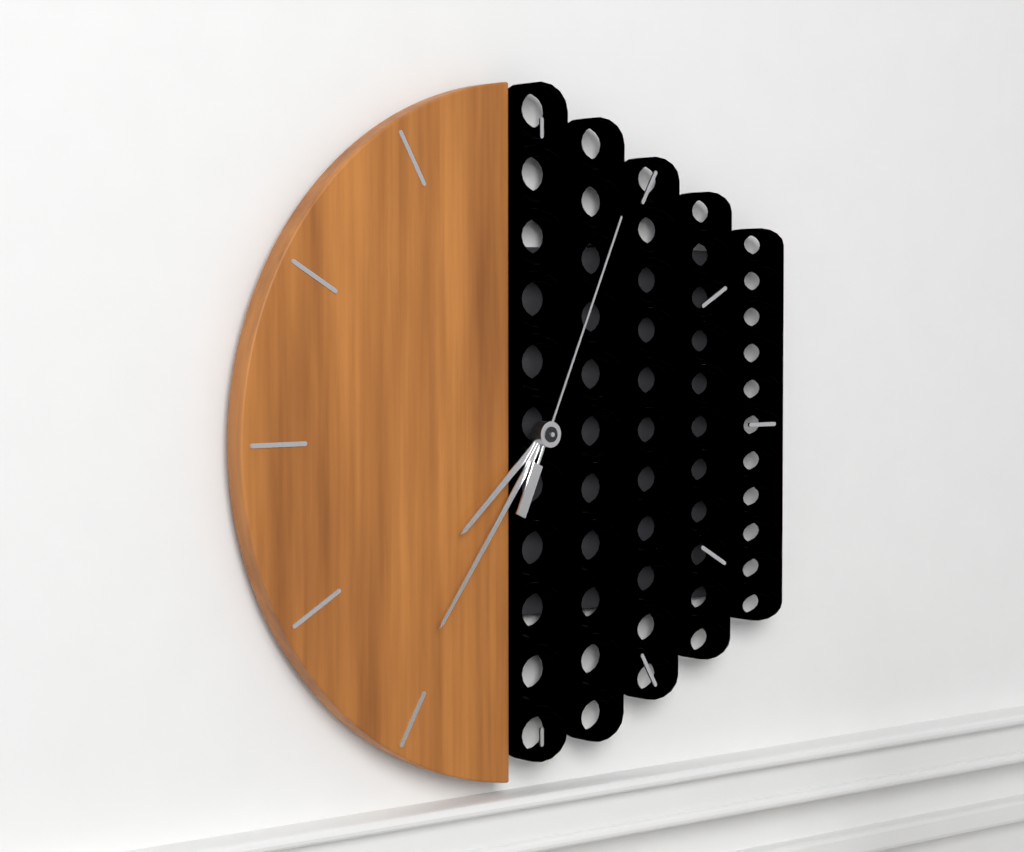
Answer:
**7:36:04**
